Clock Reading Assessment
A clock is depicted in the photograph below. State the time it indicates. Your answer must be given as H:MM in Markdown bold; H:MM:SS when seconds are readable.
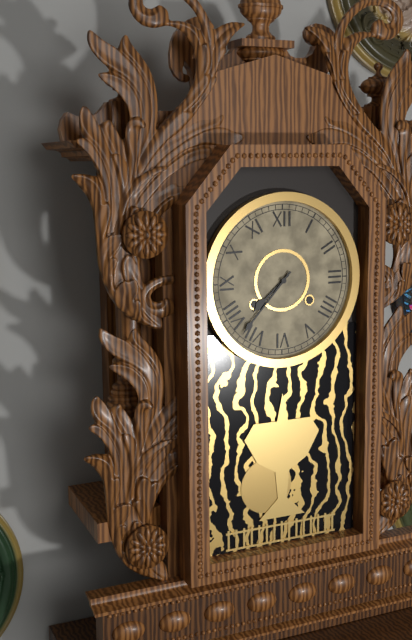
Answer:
**7:37**
